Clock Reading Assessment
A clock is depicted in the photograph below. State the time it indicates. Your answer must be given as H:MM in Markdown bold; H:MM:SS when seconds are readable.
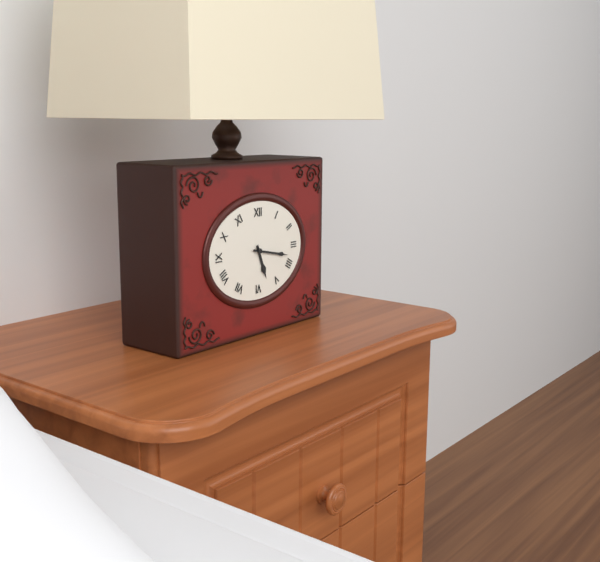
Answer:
**5:17**
